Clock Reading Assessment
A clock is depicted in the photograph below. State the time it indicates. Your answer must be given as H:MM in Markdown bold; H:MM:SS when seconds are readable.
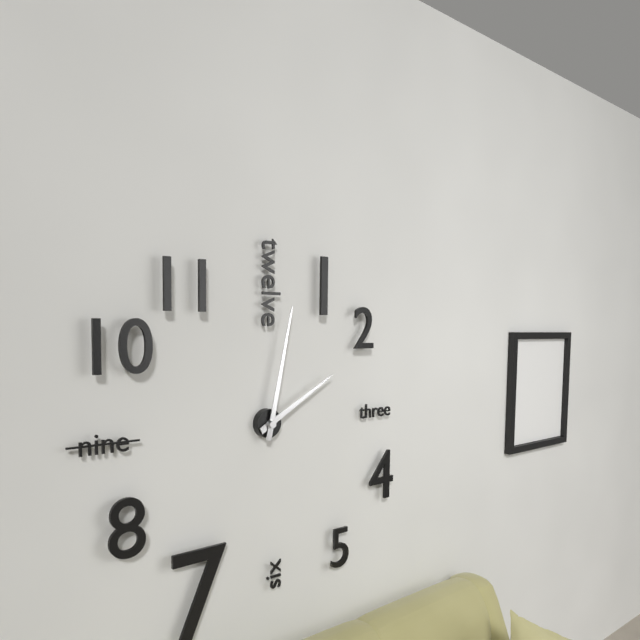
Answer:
**2:02**
